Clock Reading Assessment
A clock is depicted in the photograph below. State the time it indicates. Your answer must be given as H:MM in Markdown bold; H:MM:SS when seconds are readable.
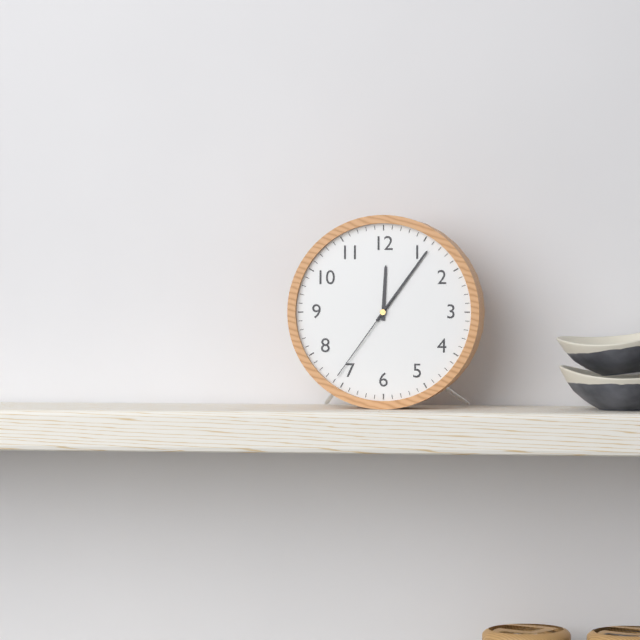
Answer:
**12:06:36**
